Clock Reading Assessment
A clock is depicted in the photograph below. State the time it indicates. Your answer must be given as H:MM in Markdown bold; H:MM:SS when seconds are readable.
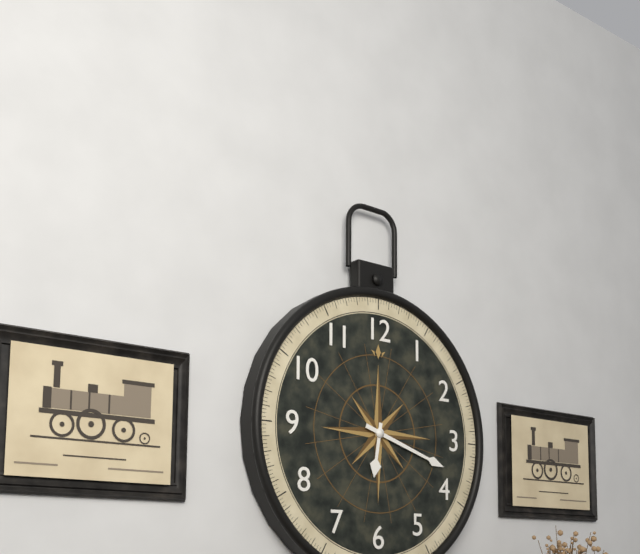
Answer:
**6:18**
